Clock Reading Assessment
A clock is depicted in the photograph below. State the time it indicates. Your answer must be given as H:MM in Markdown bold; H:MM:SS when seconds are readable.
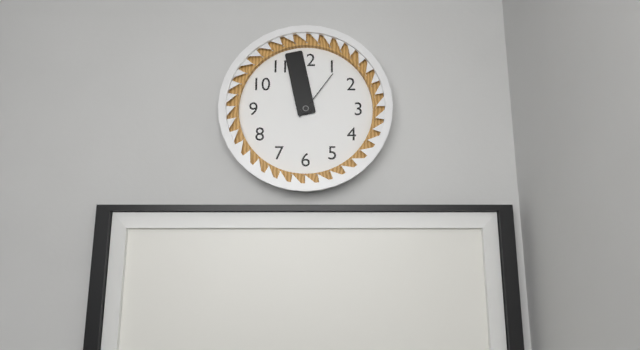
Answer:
**11:58:06**
